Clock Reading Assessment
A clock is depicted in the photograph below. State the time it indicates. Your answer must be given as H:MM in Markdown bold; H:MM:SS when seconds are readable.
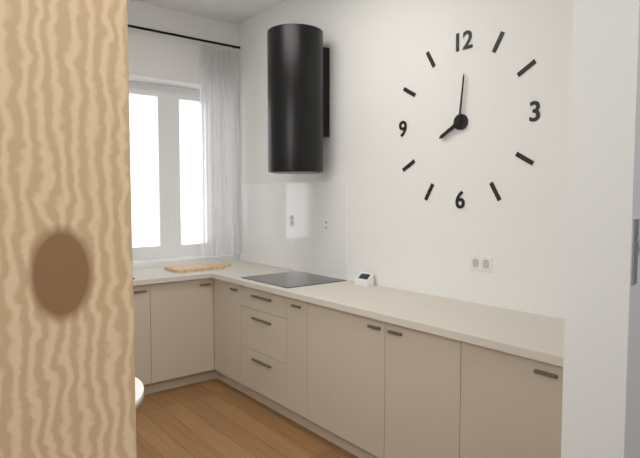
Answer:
**8:01**
